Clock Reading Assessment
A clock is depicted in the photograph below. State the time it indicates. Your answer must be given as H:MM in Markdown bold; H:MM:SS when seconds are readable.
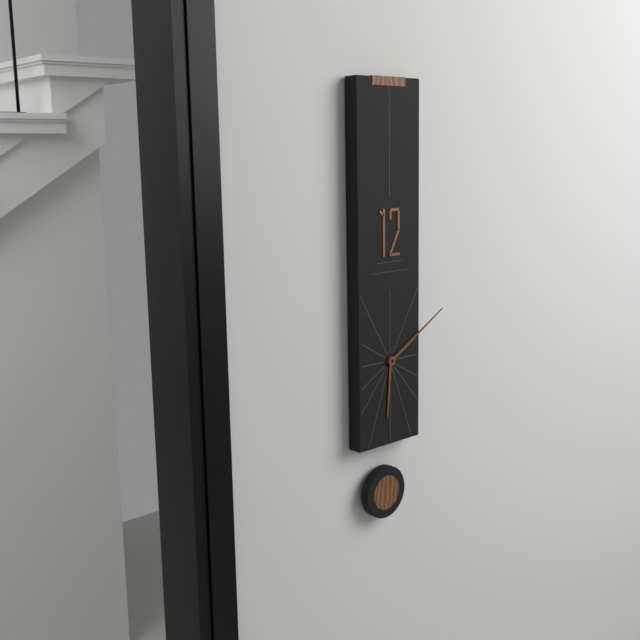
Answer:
**6:10**
